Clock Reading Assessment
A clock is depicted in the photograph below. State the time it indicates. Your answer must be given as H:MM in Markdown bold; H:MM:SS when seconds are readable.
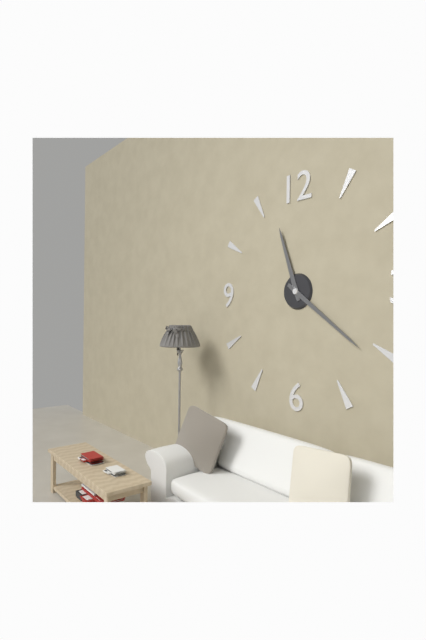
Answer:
**11:21**
